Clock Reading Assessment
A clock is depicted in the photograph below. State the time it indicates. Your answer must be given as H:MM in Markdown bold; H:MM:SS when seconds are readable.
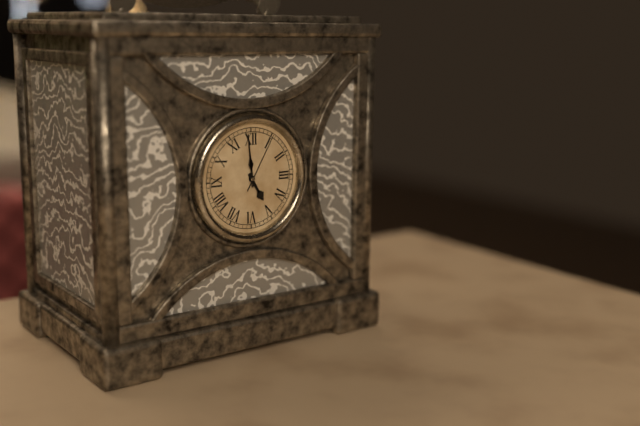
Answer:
**4:59:05**
